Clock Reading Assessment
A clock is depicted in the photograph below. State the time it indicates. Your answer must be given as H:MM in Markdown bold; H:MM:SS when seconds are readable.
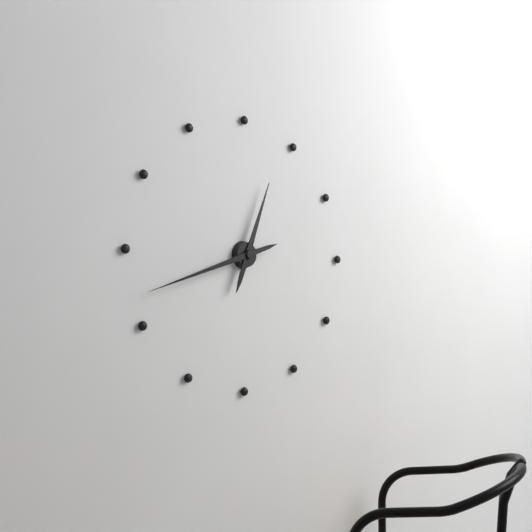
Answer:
**12:42**
